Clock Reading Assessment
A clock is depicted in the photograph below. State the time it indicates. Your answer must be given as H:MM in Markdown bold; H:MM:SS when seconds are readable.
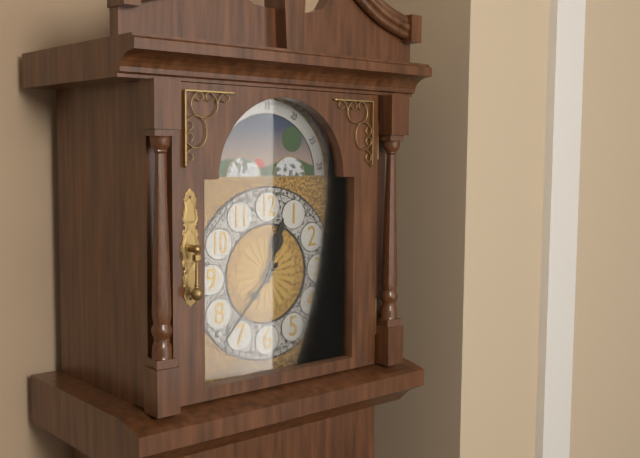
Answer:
**12:37**
